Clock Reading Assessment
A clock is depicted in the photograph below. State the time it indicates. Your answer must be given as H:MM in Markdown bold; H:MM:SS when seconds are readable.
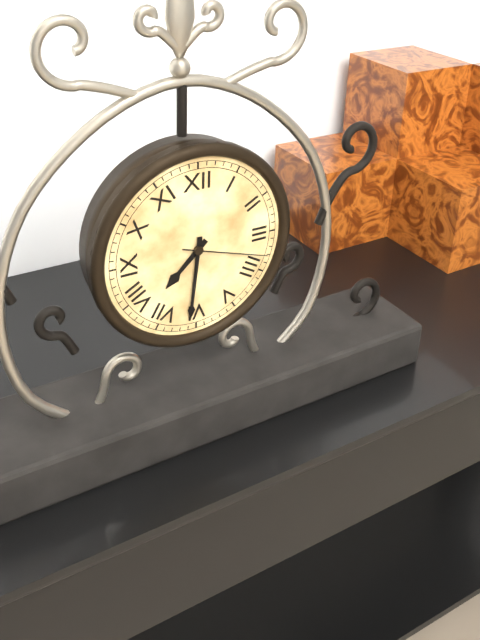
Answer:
**7:31:18**
